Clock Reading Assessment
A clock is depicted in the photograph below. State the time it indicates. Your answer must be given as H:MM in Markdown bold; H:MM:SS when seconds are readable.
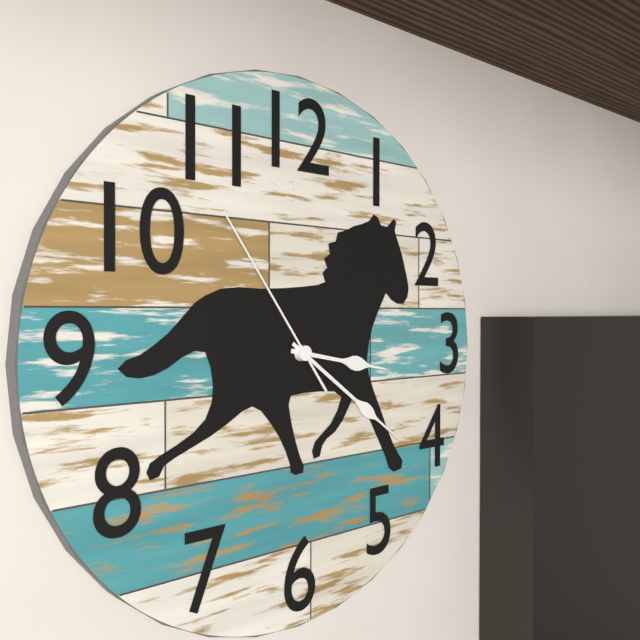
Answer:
**3:21:54**
